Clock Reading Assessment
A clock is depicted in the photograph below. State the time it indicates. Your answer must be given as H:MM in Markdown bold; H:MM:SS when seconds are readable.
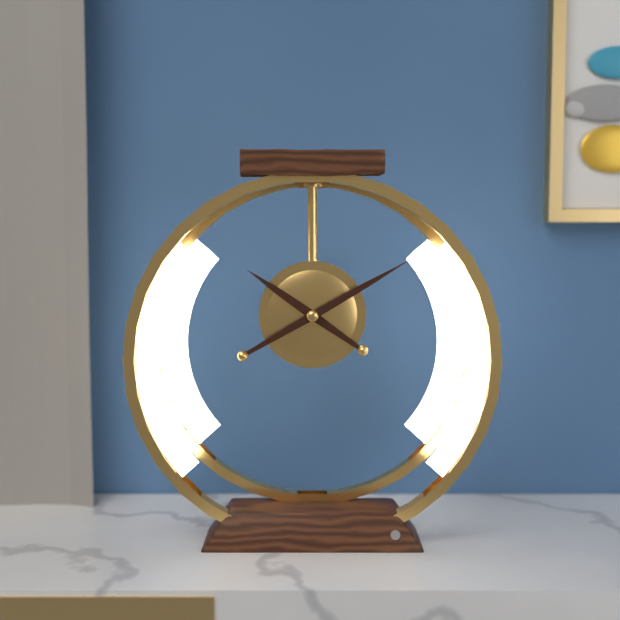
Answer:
**10:10**
